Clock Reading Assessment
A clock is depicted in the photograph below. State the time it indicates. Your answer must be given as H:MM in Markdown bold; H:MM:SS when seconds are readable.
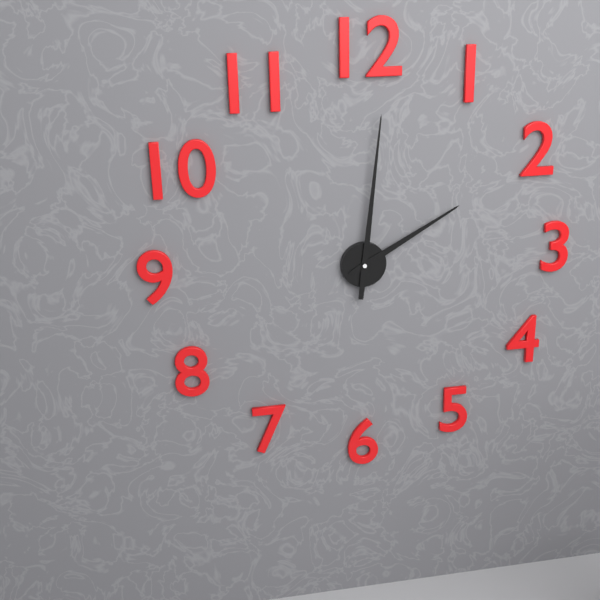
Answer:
**2:01**
